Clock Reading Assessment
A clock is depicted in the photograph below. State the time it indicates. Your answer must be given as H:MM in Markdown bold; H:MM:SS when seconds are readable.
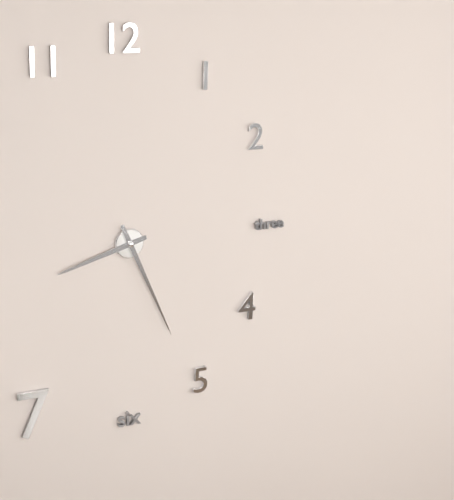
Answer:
**8:26**
